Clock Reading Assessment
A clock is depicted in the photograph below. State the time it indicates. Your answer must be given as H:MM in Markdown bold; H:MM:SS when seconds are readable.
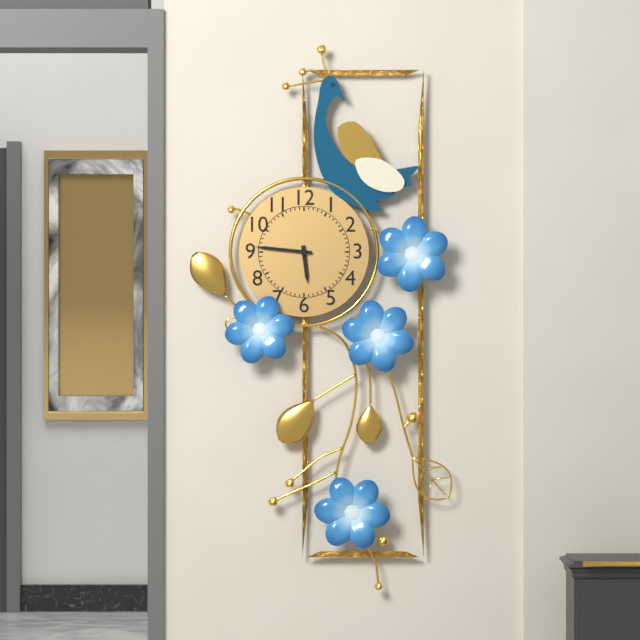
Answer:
**5:46**
